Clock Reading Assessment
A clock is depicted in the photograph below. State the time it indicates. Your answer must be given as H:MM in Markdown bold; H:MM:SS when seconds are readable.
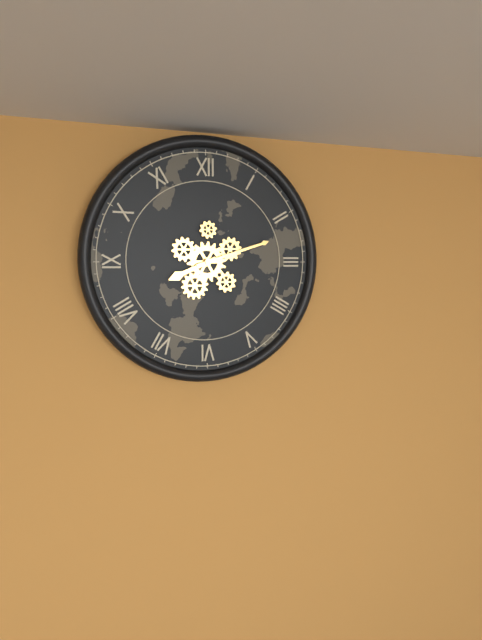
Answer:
**8:12**
